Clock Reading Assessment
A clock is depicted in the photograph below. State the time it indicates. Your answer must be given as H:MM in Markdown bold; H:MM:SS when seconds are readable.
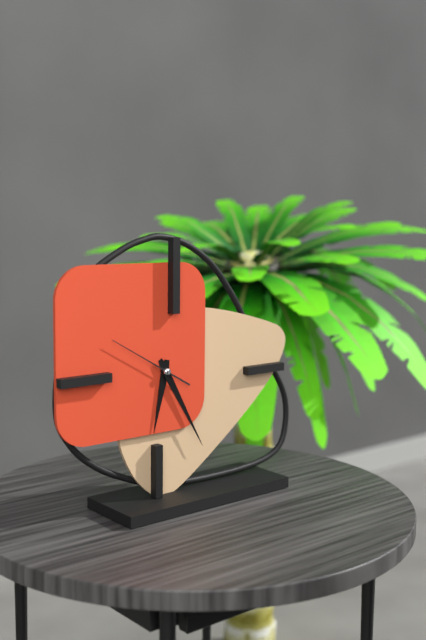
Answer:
**6:25:50**
